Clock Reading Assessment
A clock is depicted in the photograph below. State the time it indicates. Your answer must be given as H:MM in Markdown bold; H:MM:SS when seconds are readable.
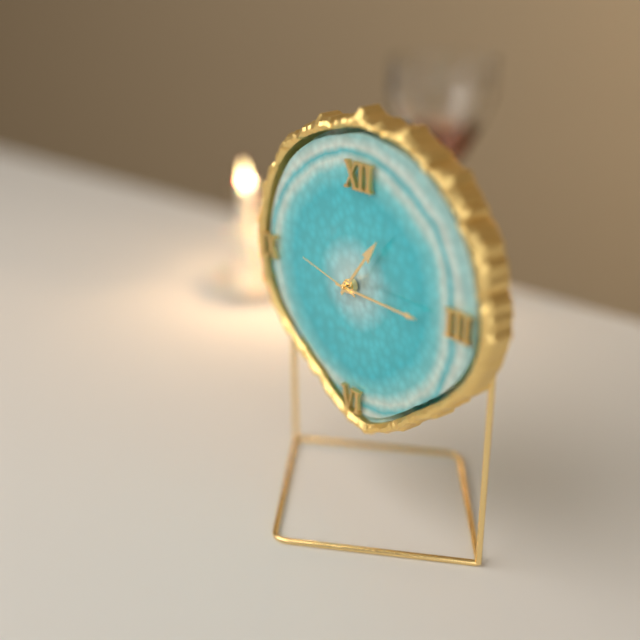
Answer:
**1:15:47**
